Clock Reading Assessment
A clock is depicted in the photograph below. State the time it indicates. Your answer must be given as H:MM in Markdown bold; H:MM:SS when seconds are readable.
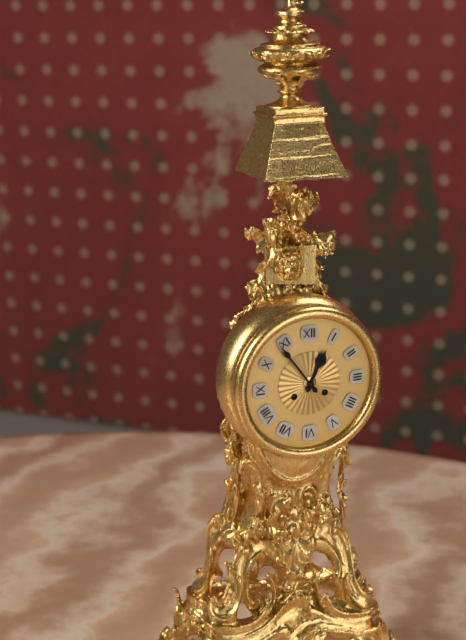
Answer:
**12:54**
